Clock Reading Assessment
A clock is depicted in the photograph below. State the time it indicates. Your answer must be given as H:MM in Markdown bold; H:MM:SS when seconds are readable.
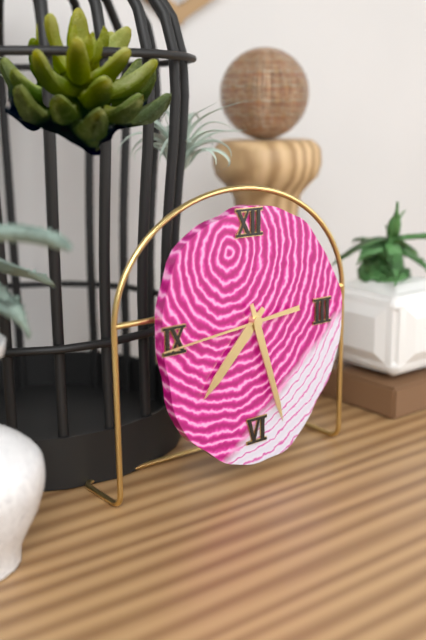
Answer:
**7:27:44**
